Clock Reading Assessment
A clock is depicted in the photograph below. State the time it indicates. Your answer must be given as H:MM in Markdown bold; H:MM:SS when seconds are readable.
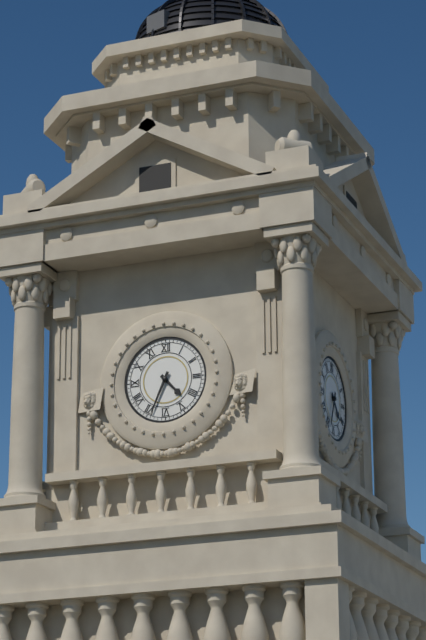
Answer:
**4:34**
